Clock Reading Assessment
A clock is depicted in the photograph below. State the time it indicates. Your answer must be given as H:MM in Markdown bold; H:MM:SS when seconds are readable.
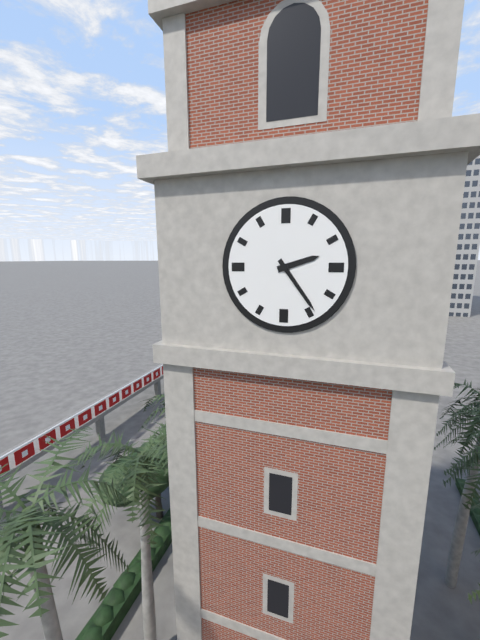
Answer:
**2:24**
